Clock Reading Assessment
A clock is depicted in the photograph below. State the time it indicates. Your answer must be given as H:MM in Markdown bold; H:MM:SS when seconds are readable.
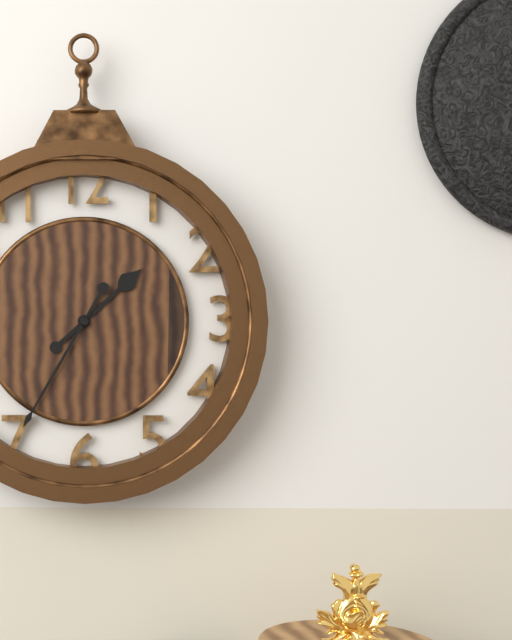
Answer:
**1:35**
